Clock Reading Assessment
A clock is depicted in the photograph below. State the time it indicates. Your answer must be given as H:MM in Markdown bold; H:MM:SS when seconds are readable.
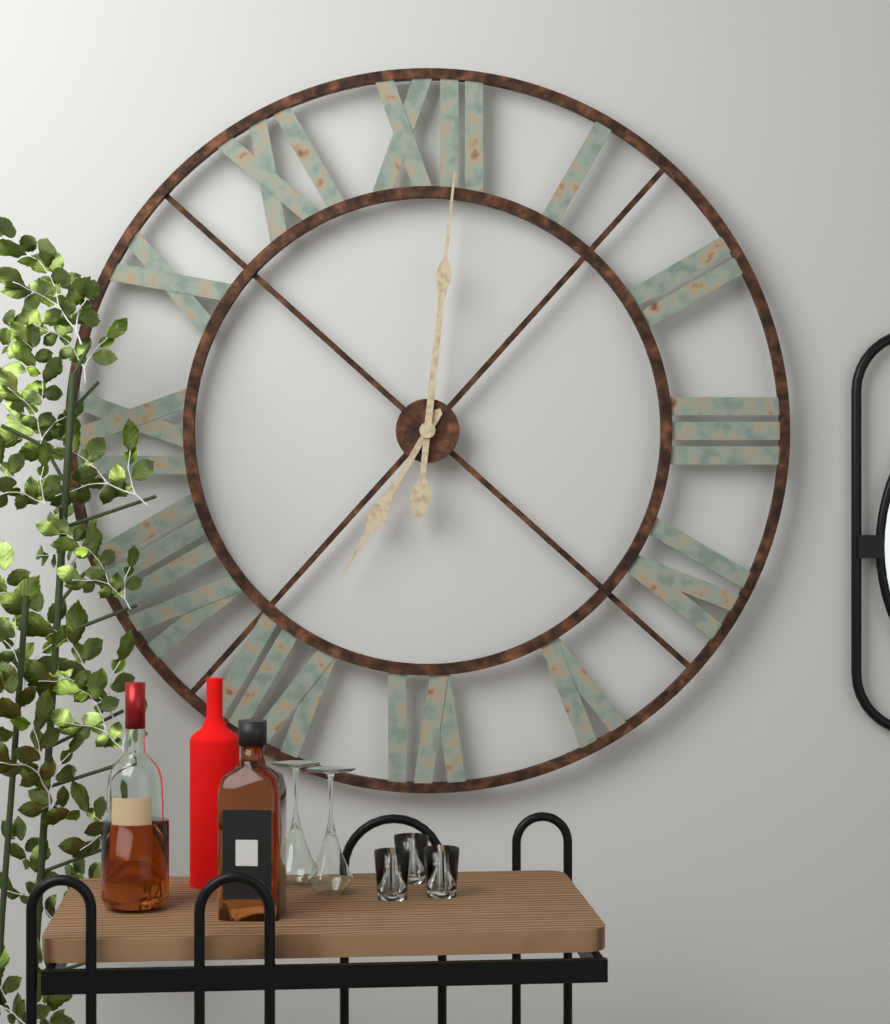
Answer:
**7:01**
